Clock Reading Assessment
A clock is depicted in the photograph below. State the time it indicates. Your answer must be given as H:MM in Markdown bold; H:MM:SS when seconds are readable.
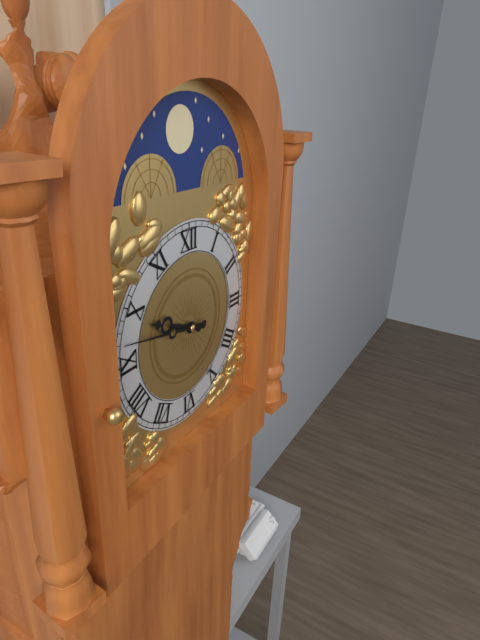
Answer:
**9:47**
